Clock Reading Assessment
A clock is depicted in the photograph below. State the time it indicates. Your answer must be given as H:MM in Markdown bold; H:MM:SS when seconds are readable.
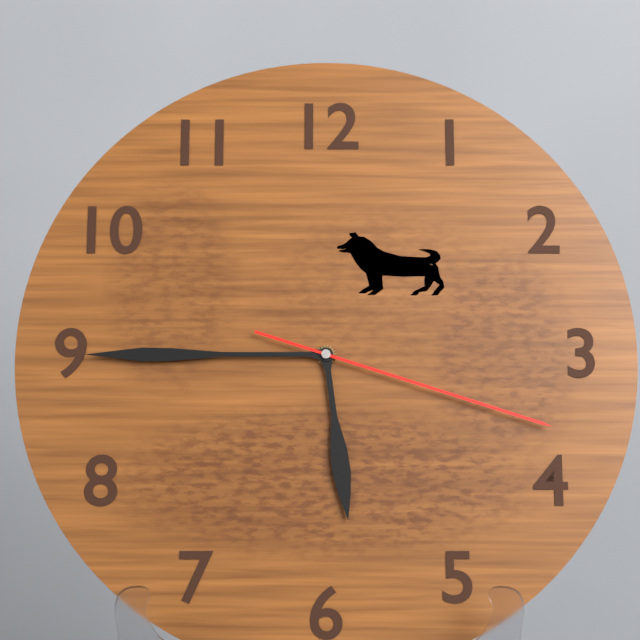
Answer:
**5:45:18**
